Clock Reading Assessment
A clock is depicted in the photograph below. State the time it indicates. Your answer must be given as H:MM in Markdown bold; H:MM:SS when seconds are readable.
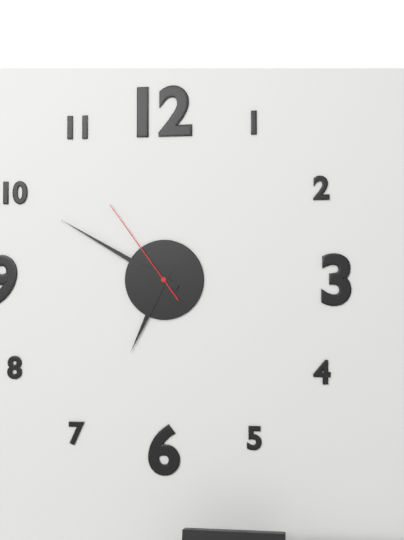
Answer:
**6:50:54**
